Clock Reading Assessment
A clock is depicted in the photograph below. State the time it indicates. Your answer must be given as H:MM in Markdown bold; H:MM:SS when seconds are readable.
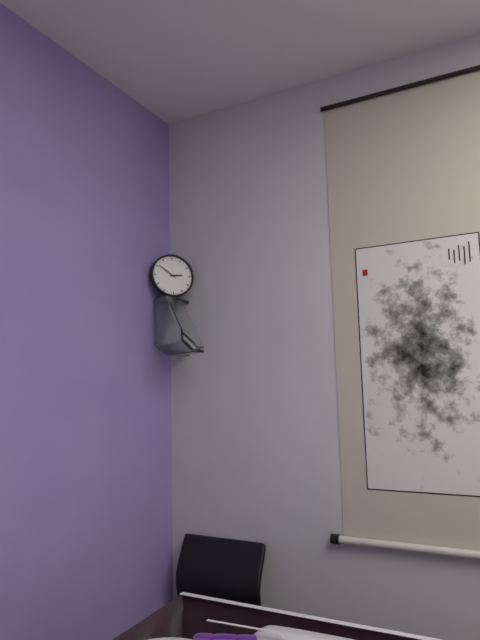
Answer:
**2:51**
